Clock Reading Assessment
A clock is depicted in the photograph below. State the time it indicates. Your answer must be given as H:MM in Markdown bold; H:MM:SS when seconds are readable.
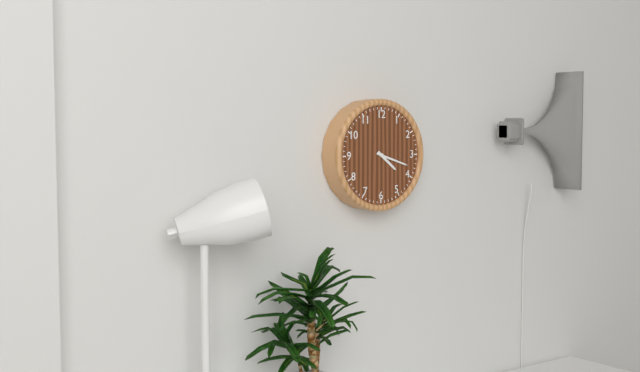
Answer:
**4:18**
